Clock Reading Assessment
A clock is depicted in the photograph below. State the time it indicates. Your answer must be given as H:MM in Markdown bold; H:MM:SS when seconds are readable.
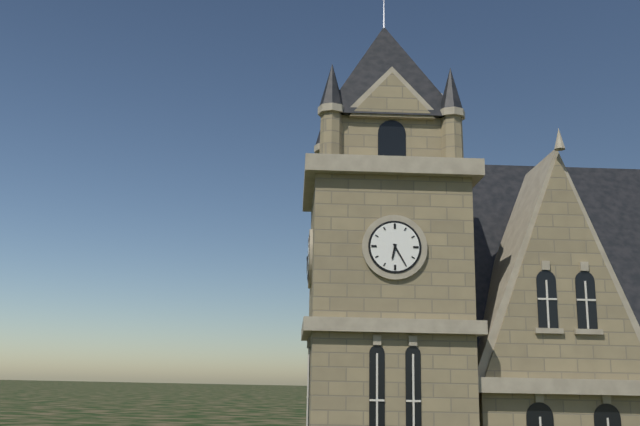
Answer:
**6:25**
